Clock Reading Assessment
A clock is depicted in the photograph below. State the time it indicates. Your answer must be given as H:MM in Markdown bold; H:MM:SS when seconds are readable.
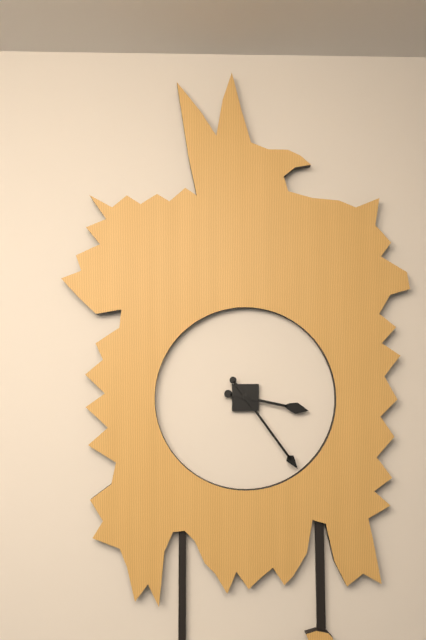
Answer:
**3:24**
